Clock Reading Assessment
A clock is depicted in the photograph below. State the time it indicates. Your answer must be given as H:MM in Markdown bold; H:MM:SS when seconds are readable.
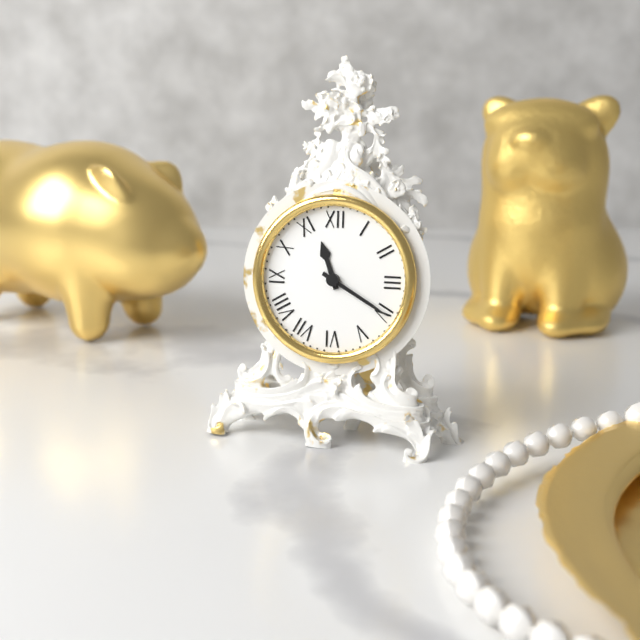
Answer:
**11:20**
